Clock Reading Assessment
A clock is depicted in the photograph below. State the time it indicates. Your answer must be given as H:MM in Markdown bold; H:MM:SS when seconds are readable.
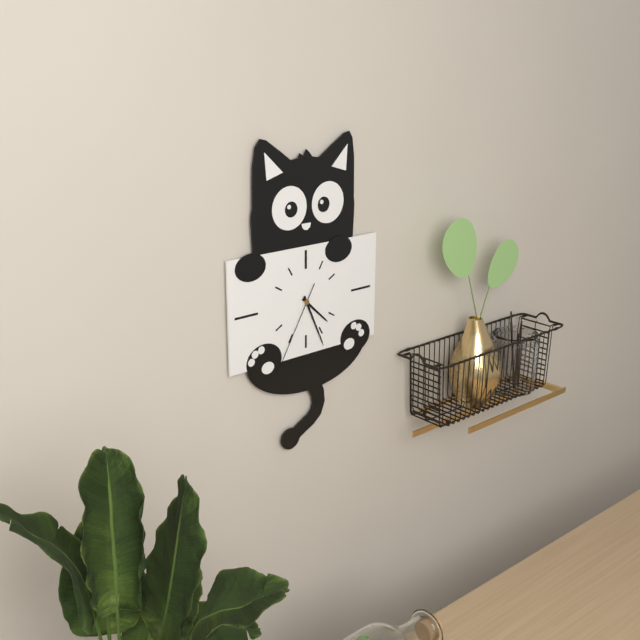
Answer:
**4:26:35**
